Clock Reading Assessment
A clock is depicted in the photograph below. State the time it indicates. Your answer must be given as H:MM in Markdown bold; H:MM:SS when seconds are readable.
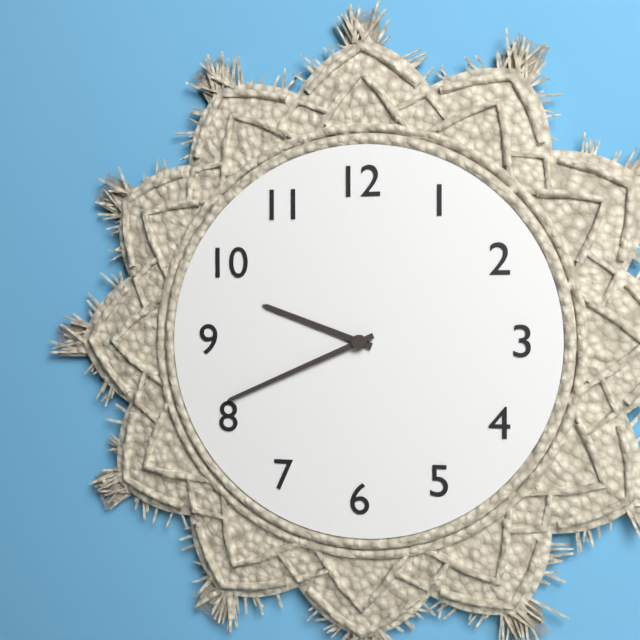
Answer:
**9:41**
